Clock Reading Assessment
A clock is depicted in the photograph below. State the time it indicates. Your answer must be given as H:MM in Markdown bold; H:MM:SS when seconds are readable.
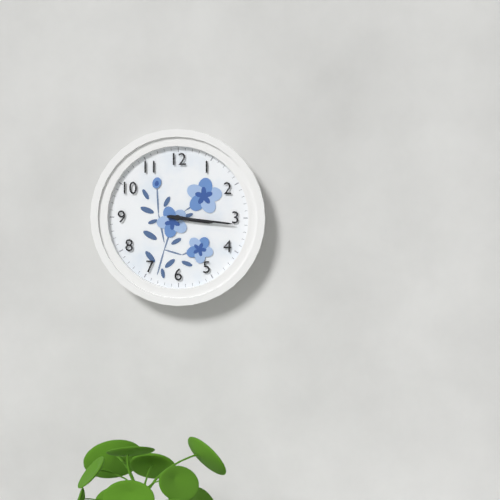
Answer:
**3:16**
